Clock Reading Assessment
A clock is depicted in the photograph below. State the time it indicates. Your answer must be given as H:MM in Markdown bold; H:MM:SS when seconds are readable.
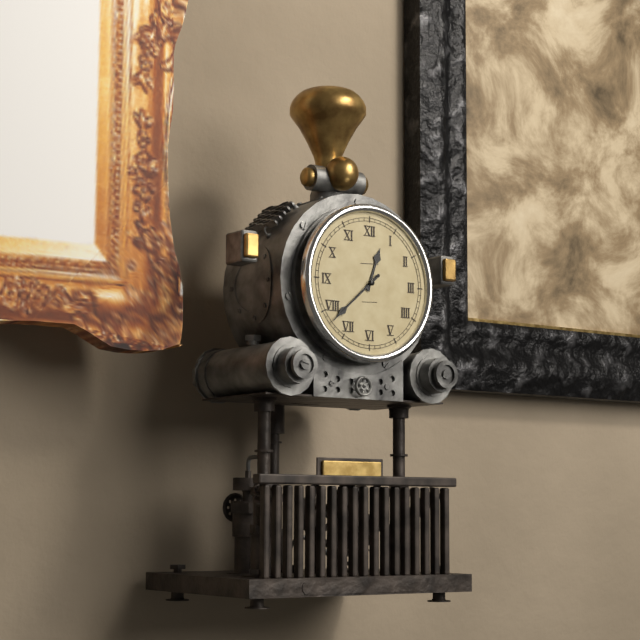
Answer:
**12:38:38**
